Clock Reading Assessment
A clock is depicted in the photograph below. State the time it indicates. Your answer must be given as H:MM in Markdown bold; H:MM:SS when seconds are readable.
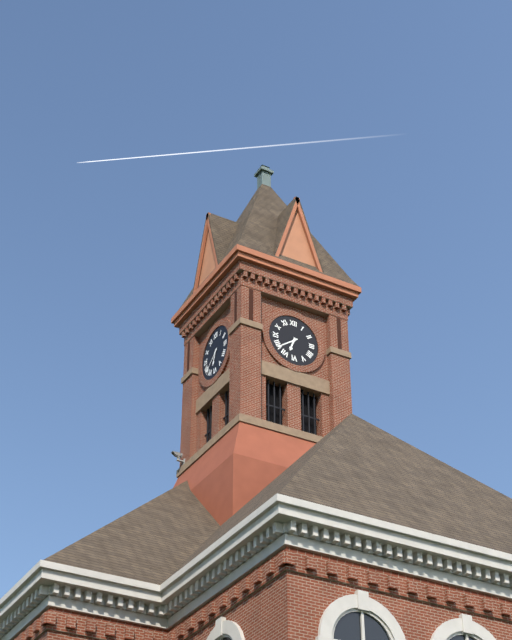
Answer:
**6:39**
